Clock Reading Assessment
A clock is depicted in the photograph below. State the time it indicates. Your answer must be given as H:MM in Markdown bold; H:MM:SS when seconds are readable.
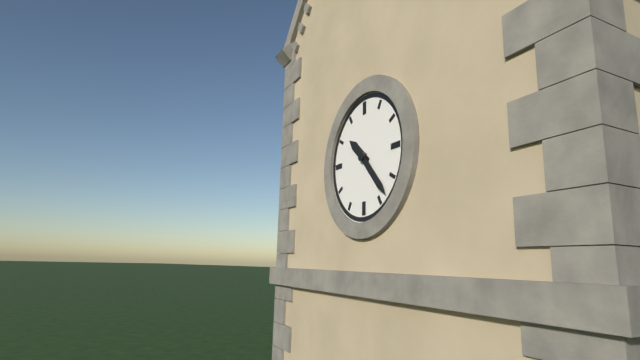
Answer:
**10:23**
